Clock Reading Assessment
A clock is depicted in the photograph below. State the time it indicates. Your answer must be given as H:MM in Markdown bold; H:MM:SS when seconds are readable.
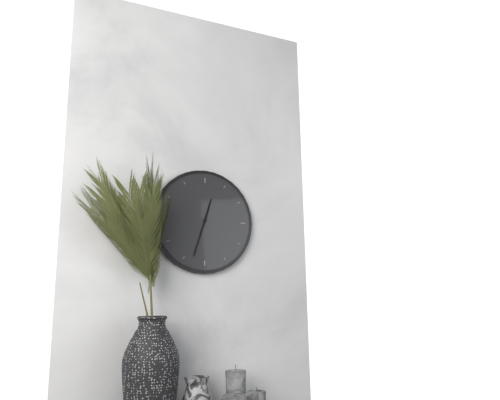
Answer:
**12:33**
